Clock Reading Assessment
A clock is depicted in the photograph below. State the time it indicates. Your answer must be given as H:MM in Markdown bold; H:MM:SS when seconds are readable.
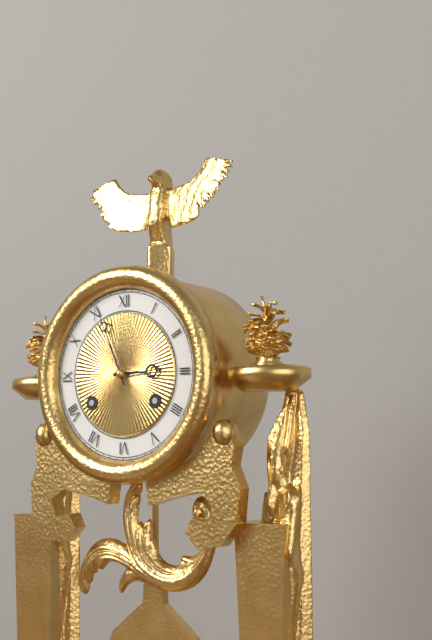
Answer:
**2:56**
